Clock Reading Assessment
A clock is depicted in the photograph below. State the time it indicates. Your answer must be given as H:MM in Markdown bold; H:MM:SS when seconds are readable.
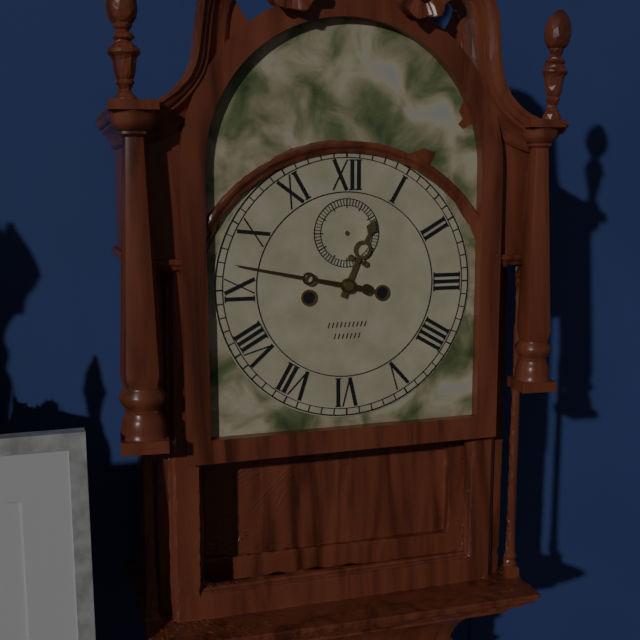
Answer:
**12:47**
